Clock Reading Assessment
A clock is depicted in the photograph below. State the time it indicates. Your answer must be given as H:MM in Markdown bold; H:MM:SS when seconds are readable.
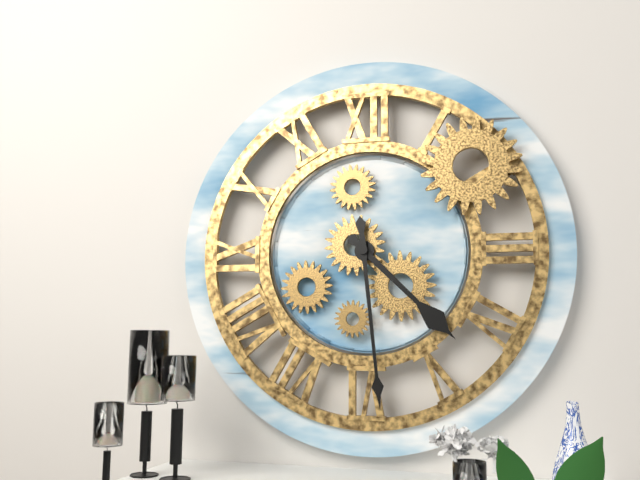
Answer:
**4:29**
